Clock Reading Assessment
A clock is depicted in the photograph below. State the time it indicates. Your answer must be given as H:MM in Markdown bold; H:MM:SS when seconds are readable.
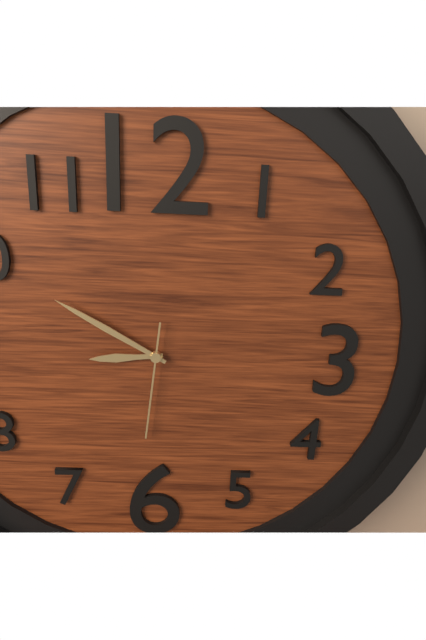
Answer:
**8:50:31**
